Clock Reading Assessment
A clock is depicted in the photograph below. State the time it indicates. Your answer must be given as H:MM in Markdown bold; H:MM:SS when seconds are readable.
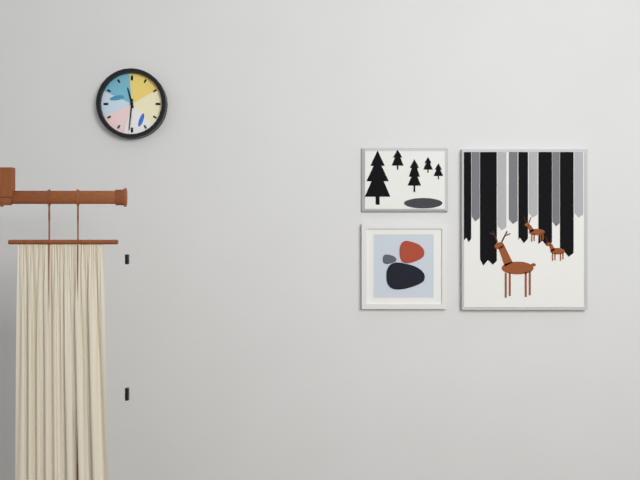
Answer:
**11:31**
